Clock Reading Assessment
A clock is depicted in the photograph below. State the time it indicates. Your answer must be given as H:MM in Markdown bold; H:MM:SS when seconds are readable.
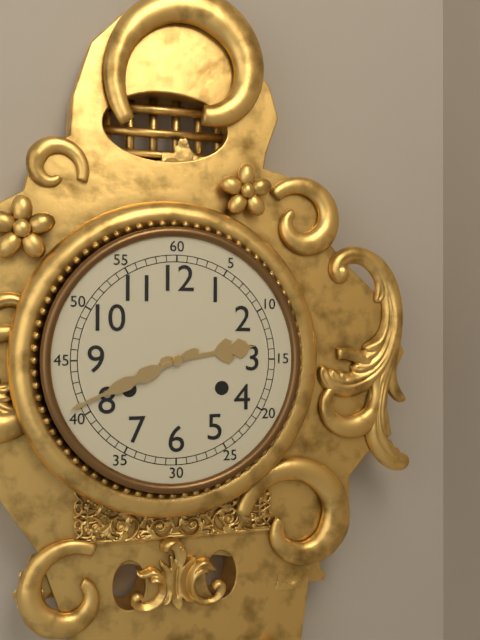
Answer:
**2:41**
